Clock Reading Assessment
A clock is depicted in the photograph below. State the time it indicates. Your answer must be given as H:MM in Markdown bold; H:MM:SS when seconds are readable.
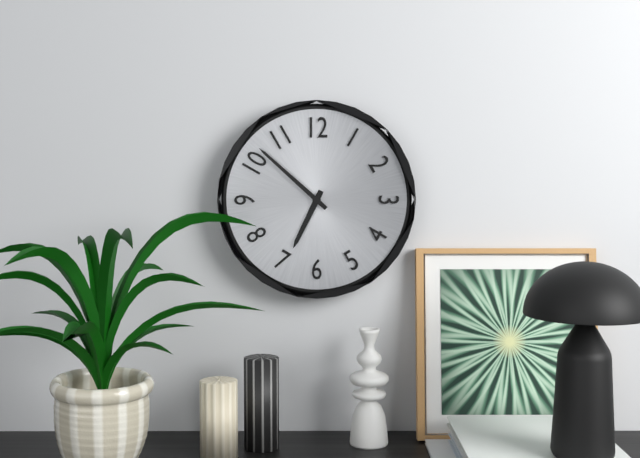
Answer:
**6:52**
